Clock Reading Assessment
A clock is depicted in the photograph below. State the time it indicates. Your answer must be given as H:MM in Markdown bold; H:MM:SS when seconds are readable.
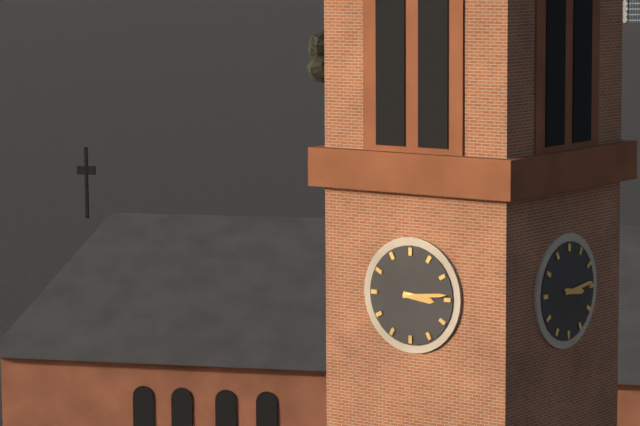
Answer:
**3:14**
